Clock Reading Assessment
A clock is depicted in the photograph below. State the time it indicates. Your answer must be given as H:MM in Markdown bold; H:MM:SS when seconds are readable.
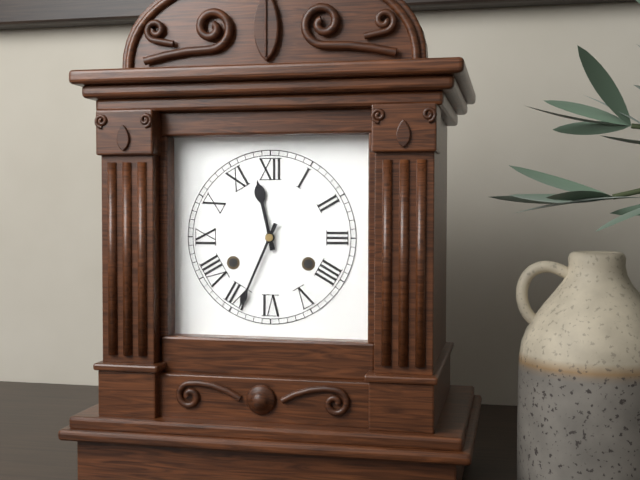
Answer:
**11:34**
